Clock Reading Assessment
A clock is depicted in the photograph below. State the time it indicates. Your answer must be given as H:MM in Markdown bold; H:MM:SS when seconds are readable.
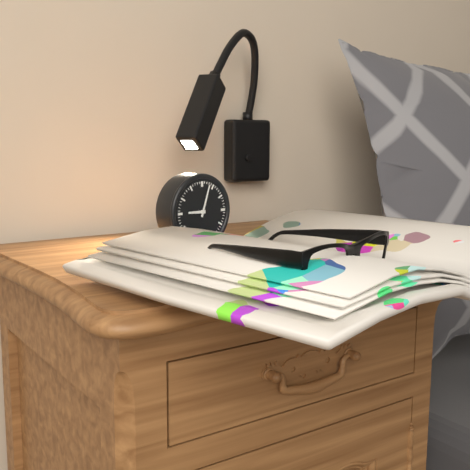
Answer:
**9:03**
